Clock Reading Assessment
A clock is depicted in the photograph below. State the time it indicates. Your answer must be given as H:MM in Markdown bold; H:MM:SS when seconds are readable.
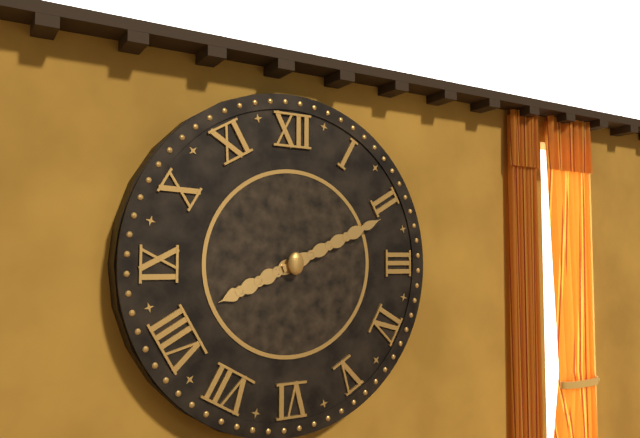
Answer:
**8:11**
